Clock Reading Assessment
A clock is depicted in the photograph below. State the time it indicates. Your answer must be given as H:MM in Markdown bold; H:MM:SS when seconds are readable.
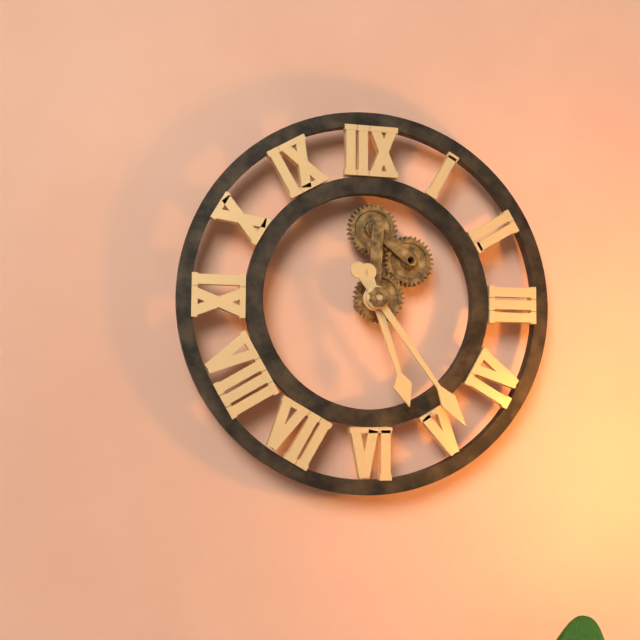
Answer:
**5:24**
